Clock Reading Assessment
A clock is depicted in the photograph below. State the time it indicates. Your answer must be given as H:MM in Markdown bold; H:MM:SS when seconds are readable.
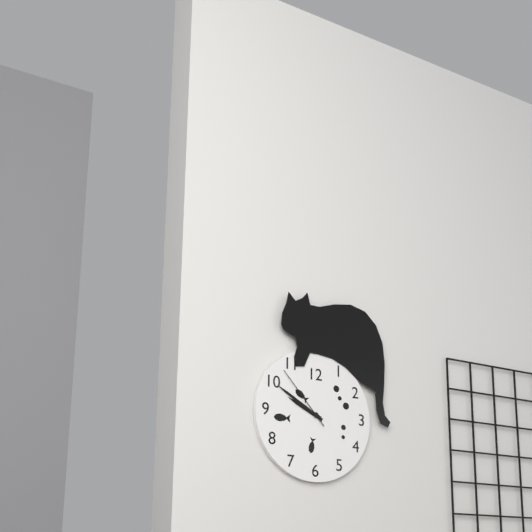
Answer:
**9:50:53**
